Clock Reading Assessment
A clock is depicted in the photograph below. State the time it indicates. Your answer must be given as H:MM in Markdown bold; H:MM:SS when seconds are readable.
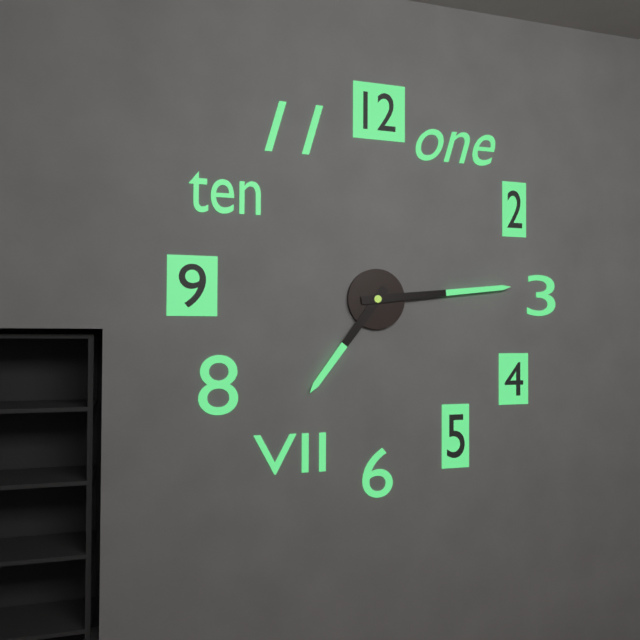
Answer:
**7:14**
